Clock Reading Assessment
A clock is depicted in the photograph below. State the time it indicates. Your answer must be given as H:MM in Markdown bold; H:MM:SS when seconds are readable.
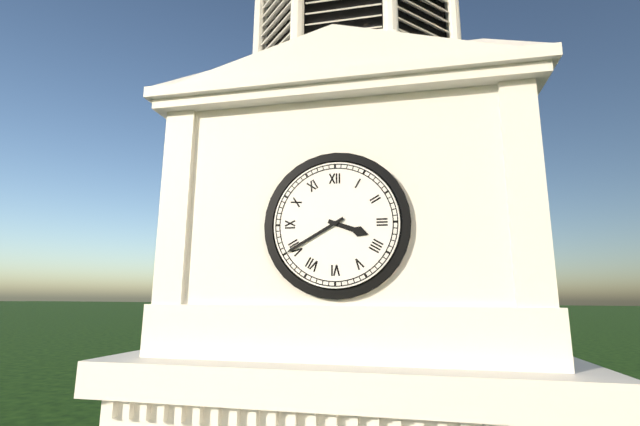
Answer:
**3:40**
